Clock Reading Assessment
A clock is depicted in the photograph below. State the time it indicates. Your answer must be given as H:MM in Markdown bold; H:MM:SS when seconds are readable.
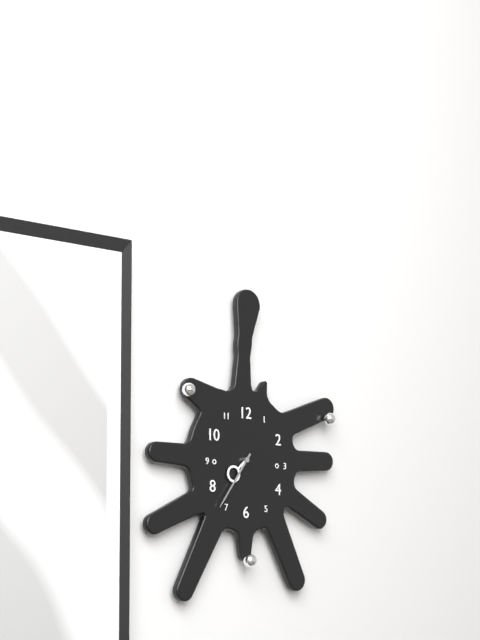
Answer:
**7:36**
